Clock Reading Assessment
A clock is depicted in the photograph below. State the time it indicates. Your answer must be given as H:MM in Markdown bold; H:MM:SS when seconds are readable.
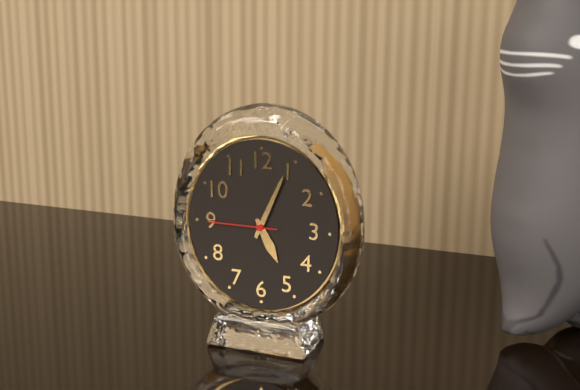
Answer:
**5:04:45**
